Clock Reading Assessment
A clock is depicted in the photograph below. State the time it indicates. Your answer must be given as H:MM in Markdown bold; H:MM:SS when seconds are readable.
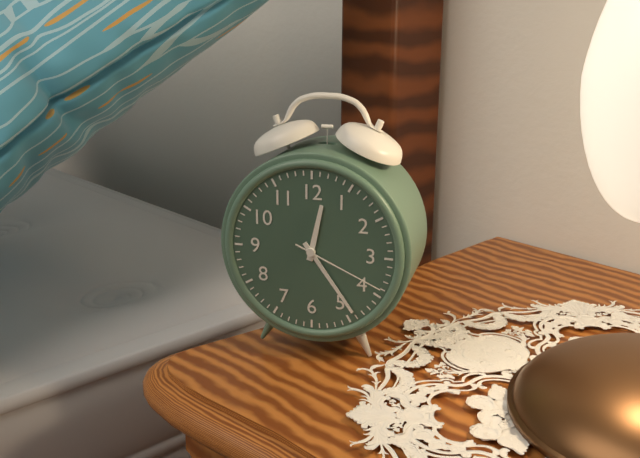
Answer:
**12:24:19**
